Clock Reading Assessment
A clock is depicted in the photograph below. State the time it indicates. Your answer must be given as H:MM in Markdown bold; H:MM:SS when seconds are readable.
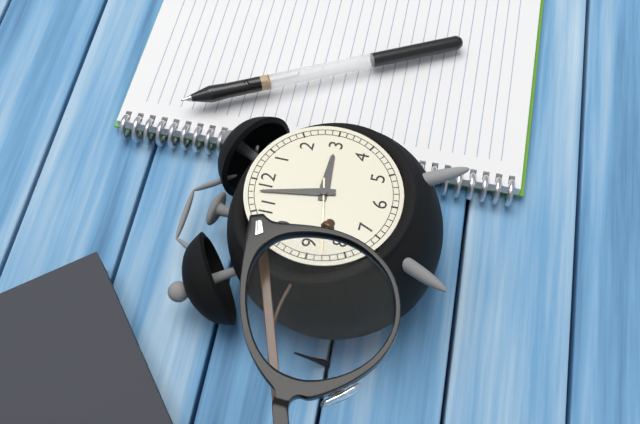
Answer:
**2:58:43**
